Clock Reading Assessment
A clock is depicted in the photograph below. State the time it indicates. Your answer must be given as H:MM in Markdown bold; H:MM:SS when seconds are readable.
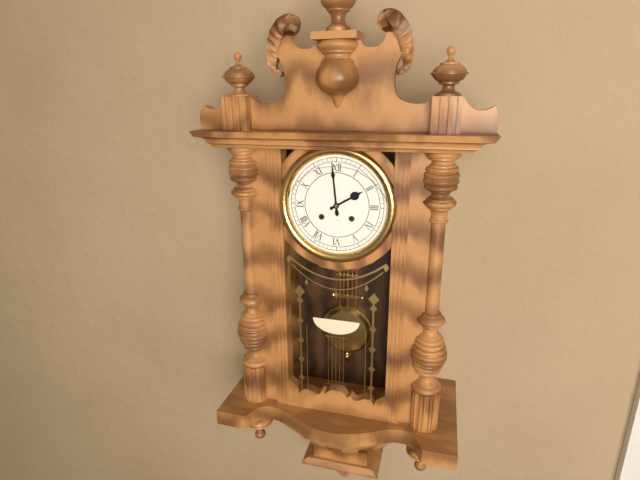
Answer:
**1:59**
